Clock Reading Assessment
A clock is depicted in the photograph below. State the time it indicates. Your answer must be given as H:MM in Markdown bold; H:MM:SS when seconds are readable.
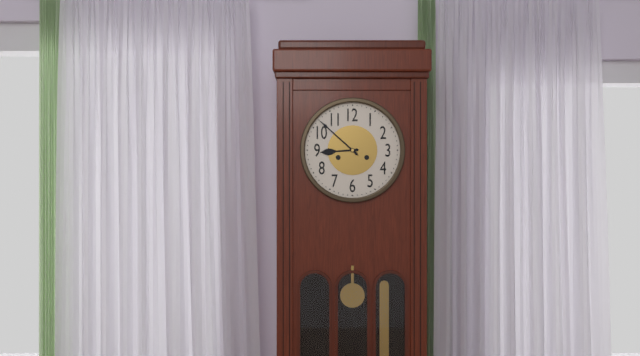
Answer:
**8:52**
